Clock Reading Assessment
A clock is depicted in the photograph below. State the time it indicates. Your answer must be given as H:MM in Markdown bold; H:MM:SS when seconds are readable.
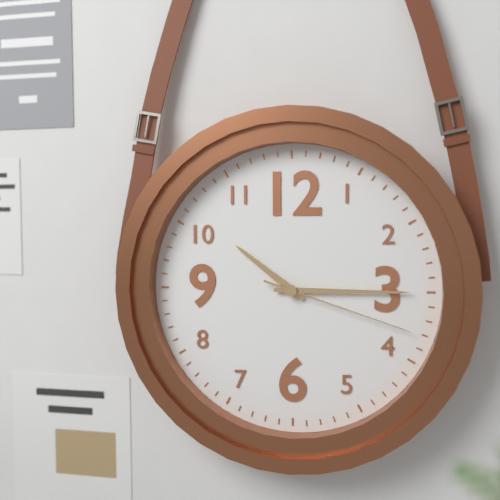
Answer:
**10:15:18**
